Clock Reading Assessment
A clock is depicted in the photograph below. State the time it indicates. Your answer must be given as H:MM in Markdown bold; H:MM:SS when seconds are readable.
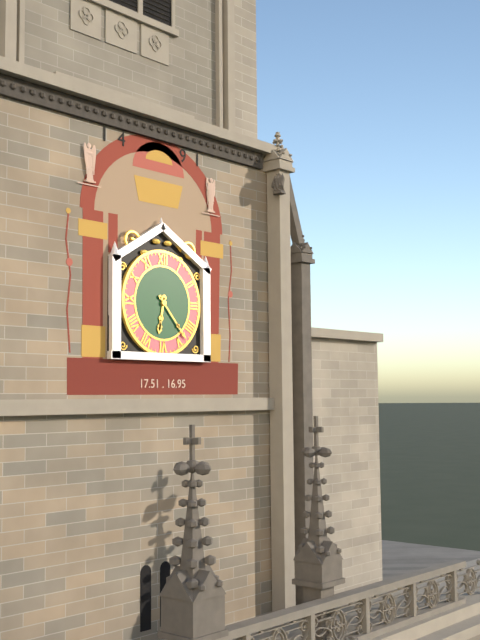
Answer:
**6:23**
